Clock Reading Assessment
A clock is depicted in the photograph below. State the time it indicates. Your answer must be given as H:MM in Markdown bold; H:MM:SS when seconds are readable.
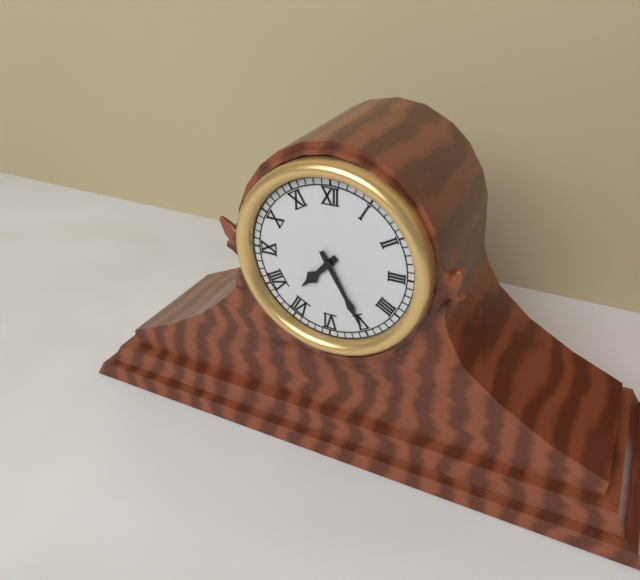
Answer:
**7:25**
